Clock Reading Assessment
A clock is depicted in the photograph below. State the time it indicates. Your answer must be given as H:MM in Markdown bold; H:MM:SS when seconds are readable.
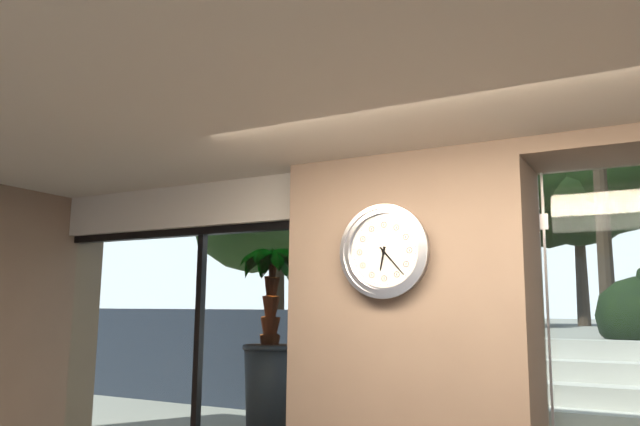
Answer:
**6:23**
